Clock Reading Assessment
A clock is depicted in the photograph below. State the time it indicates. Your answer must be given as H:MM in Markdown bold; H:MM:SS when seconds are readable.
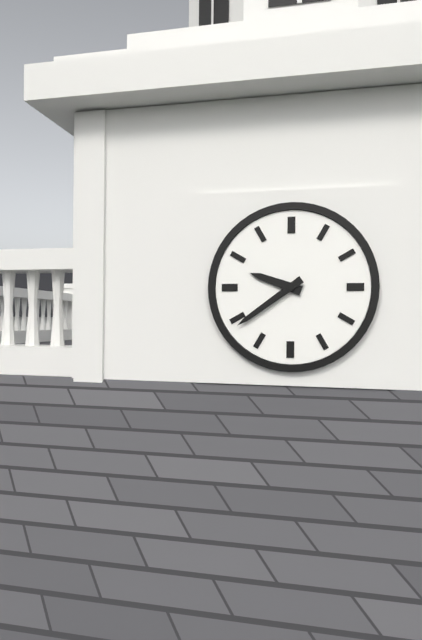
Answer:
**9:39**
